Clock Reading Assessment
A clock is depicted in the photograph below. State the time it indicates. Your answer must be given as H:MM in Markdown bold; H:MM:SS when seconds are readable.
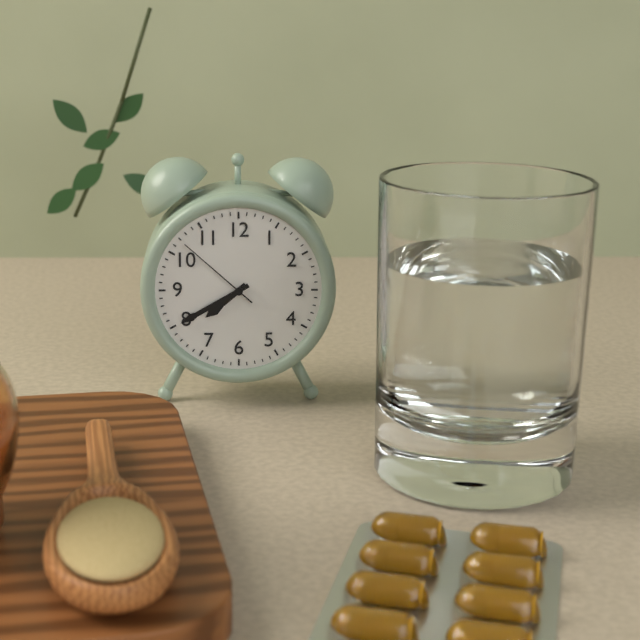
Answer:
**7:40:52**
